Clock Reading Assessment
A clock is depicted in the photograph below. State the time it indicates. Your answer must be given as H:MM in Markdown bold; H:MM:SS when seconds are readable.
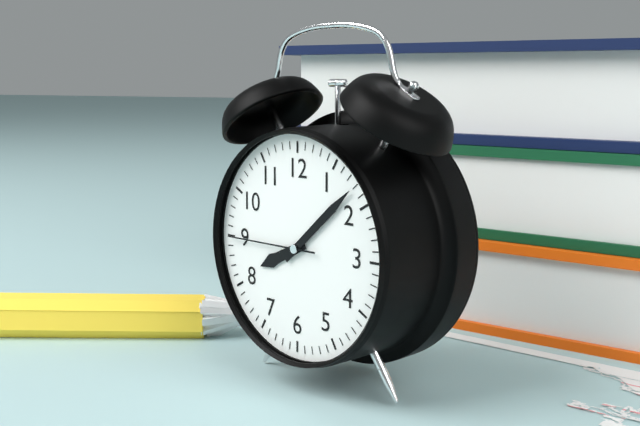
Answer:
**8:08:45**
